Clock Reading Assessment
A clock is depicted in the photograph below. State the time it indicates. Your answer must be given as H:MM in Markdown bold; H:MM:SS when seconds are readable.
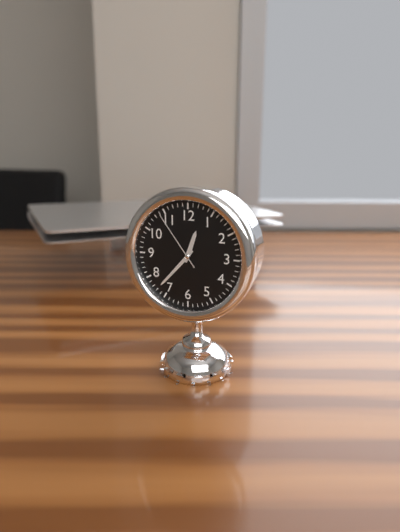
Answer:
**12:37:54**
